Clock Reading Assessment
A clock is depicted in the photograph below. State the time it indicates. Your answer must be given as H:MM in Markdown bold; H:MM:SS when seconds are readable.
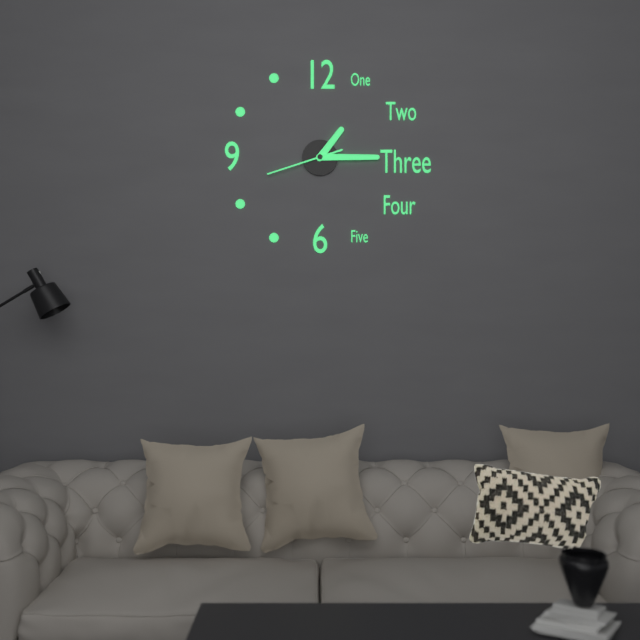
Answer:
**1:15:42**
